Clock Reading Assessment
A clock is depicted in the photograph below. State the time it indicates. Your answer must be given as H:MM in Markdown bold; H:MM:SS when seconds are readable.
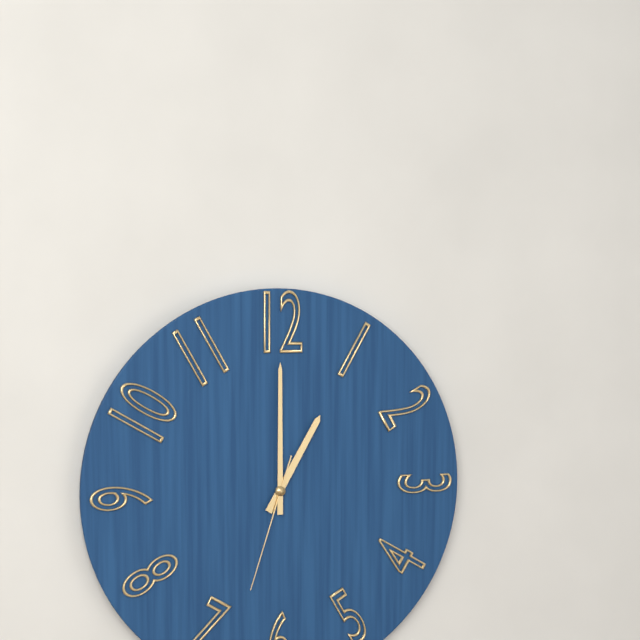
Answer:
**1:00:33**
